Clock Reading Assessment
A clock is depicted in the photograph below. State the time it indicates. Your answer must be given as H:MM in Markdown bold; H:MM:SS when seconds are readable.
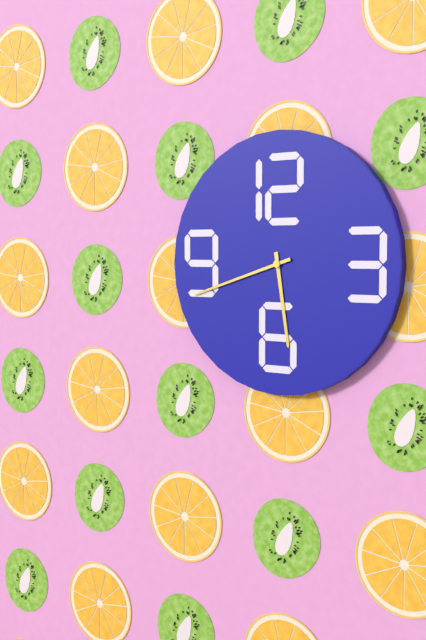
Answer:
**5:42**
